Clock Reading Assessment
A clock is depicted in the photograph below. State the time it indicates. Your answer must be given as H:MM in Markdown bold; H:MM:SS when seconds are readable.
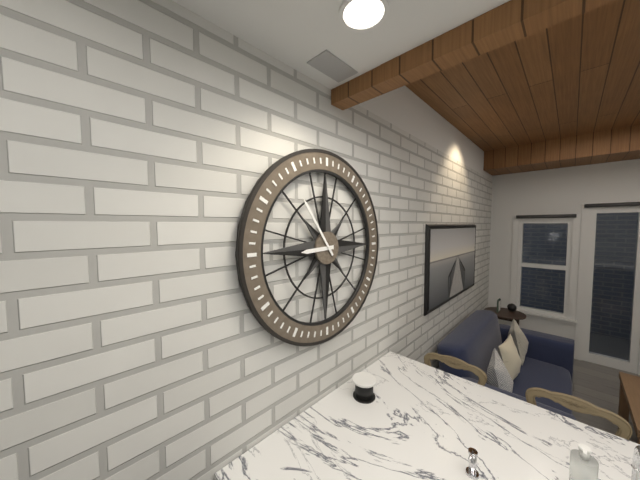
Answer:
**8:54**
